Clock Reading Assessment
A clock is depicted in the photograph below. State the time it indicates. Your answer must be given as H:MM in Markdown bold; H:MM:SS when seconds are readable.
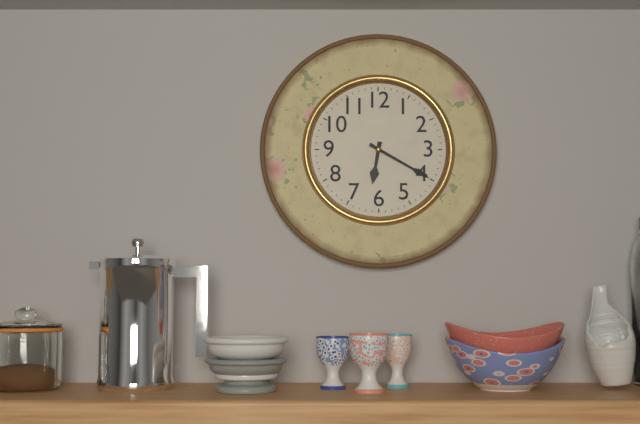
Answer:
**6:20**
